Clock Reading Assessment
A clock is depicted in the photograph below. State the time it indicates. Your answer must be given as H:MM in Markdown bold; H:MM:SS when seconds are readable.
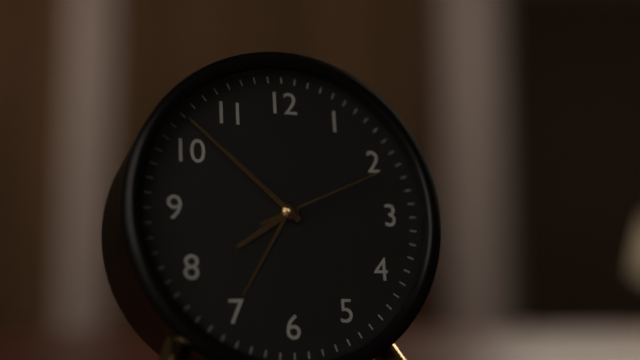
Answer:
**7:52:11**
